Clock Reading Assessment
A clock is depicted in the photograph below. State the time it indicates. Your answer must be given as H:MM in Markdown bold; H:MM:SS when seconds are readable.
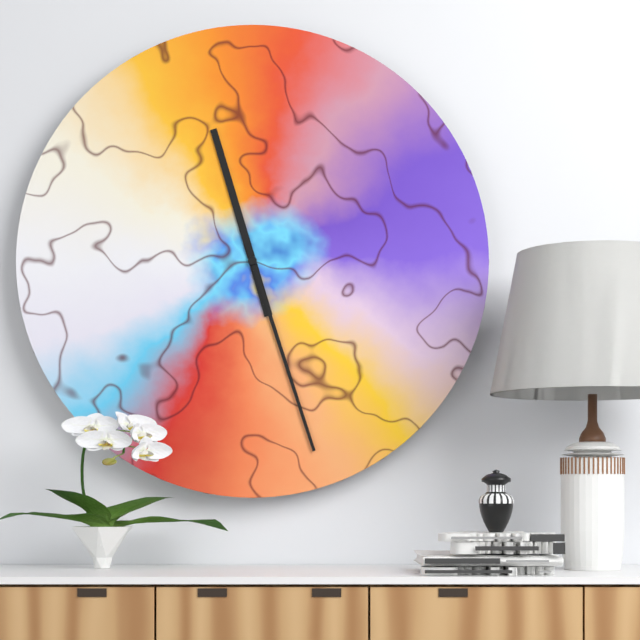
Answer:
**11:27**
